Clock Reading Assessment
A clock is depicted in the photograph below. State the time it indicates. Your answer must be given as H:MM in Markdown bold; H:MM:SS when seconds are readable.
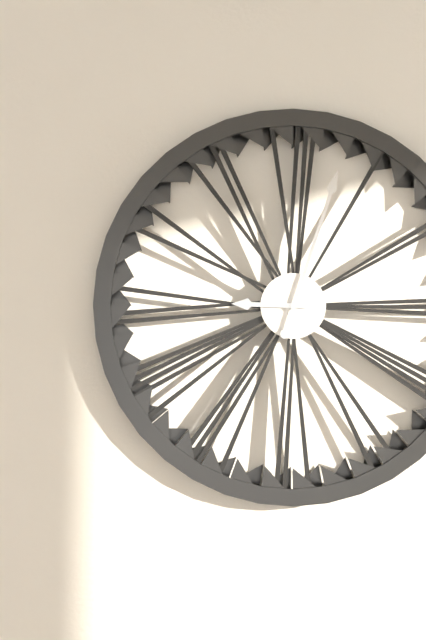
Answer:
**9:03**
